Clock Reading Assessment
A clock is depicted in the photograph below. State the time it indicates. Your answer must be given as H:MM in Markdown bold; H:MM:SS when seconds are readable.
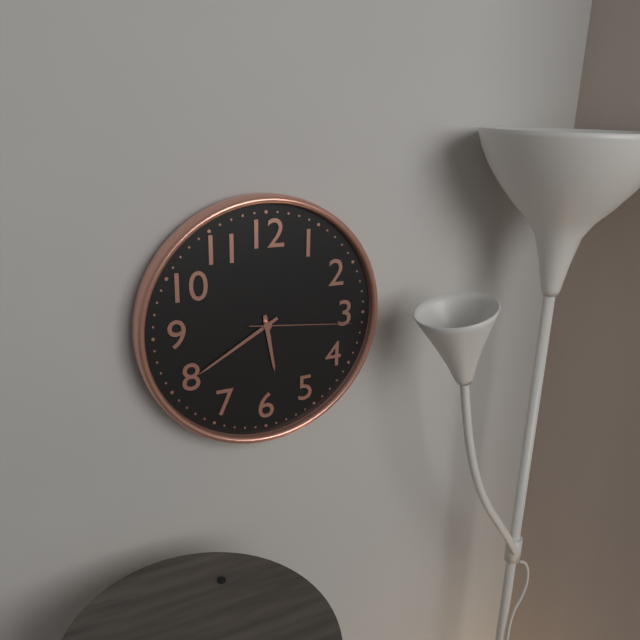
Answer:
**5:40:16**
